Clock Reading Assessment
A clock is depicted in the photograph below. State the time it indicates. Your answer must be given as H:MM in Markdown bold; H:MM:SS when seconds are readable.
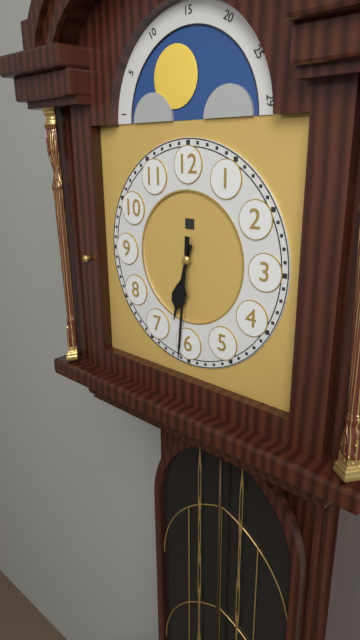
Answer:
**6:31**
